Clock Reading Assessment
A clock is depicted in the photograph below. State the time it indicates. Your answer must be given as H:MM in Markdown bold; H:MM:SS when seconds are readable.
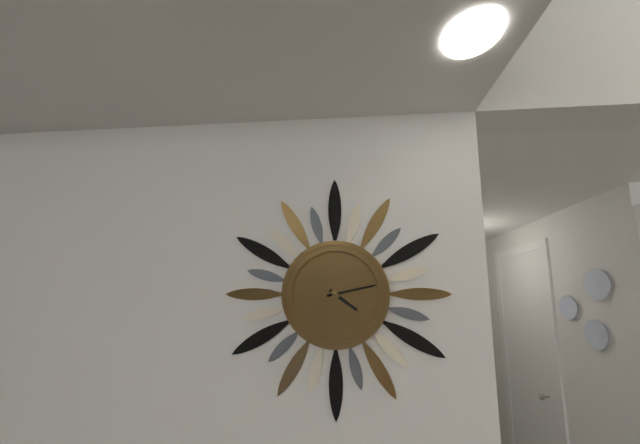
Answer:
**4:13**
